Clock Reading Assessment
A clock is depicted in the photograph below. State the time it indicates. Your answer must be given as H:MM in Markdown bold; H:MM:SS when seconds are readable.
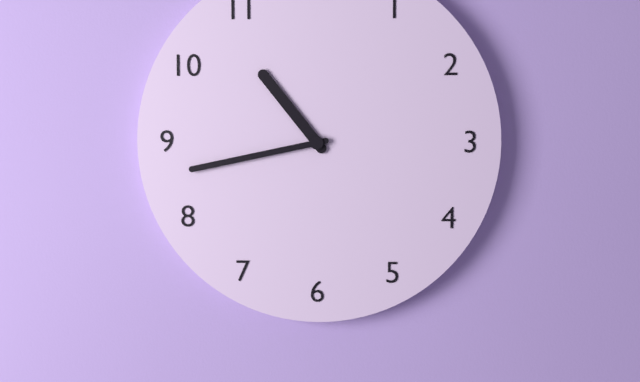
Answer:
**10:43**
